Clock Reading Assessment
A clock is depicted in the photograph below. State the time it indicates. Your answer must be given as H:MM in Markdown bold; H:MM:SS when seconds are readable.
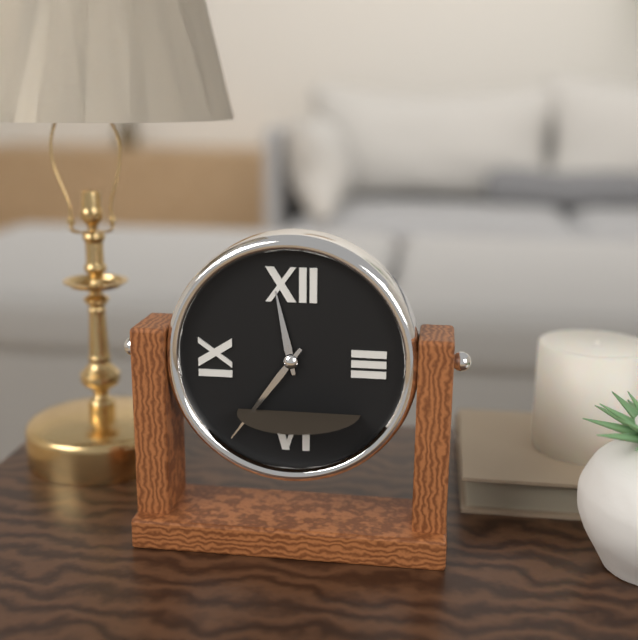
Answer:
**11:36**
